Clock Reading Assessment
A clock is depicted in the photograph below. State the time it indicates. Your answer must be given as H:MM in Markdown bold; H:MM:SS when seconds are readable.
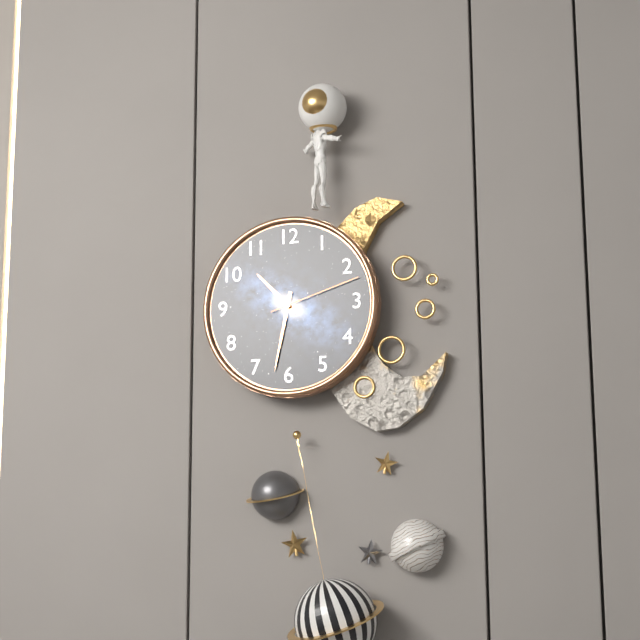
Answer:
**10:32:12**
